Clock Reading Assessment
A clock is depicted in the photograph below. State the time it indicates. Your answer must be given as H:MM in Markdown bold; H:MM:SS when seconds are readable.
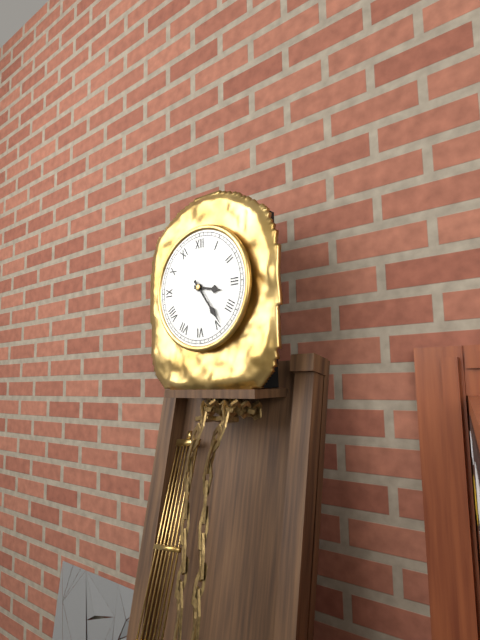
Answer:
**3:24**
